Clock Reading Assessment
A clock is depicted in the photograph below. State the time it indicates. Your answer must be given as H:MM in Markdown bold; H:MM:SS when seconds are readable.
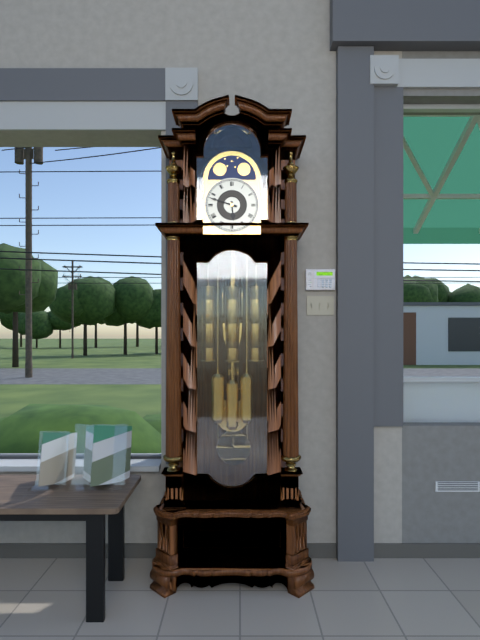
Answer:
**5:48**
